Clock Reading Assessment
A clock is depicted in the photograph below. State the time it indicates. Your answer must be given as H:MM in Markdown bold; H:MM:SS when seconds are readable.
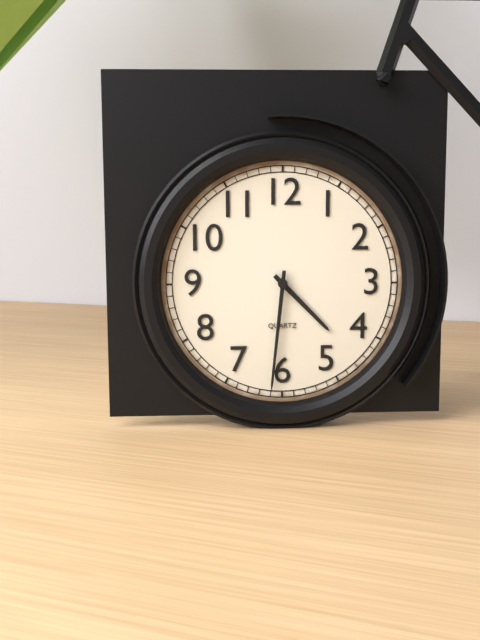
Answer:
**4:31**
